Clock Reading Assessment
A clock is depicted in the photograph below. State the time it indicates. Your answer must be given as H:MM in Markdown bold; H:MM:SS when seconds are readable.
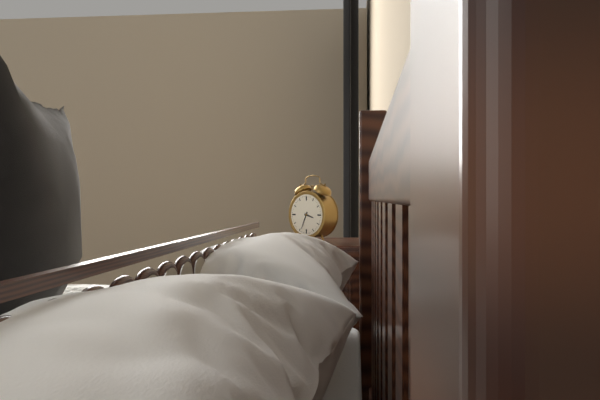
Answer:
**3:34**
